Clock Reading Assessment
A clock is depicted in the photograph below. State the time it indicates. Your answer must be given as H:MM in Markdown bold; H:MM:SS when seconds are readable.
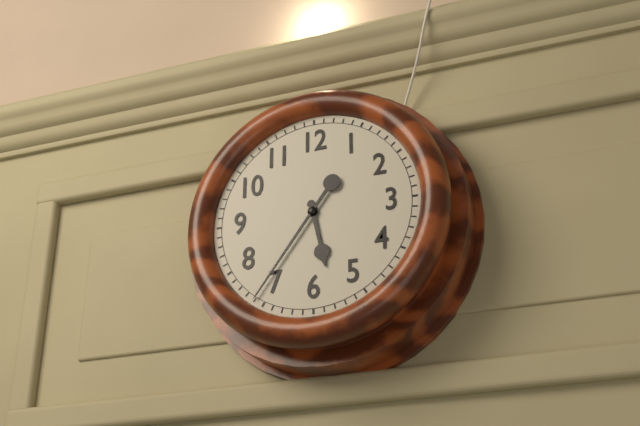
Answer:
**5:36**
